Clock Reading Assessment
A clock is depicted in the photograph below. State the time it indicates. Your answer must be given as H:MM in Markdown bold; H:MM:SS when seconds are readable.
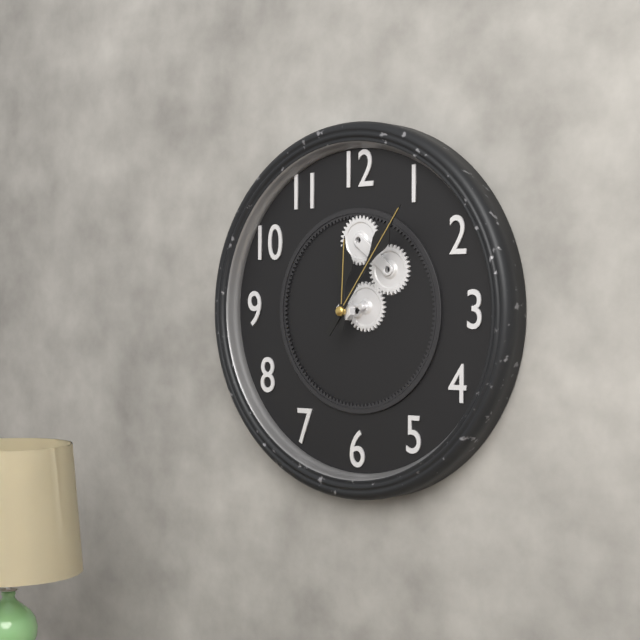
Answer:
**12:06**
